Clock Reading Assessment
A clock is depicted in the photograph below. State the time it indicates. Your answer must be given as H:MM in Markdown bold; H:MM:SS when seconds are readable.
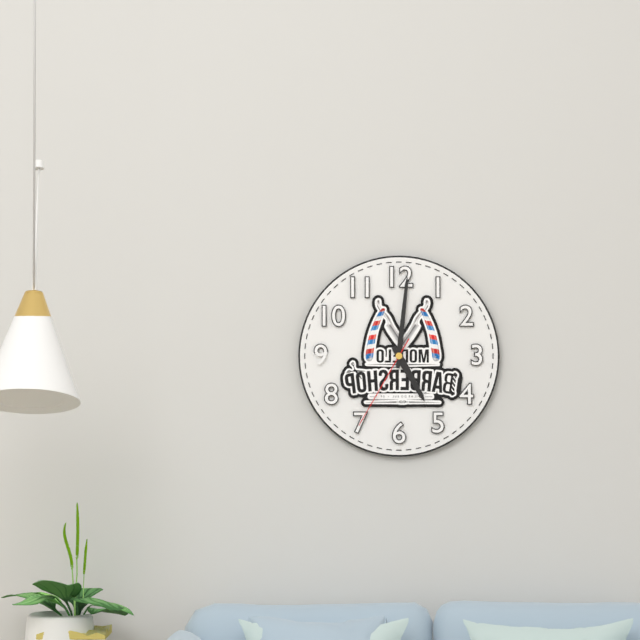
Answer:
**5:01:35**
